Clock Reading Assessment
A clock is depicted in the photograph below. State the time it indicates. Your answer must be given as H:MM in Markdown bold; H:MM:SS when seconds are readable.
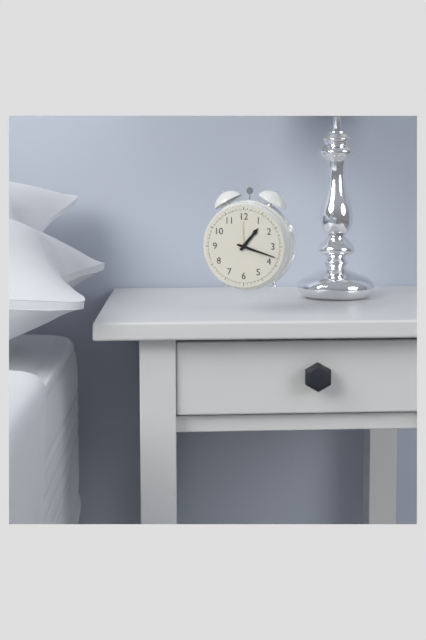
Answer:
**1:18**
